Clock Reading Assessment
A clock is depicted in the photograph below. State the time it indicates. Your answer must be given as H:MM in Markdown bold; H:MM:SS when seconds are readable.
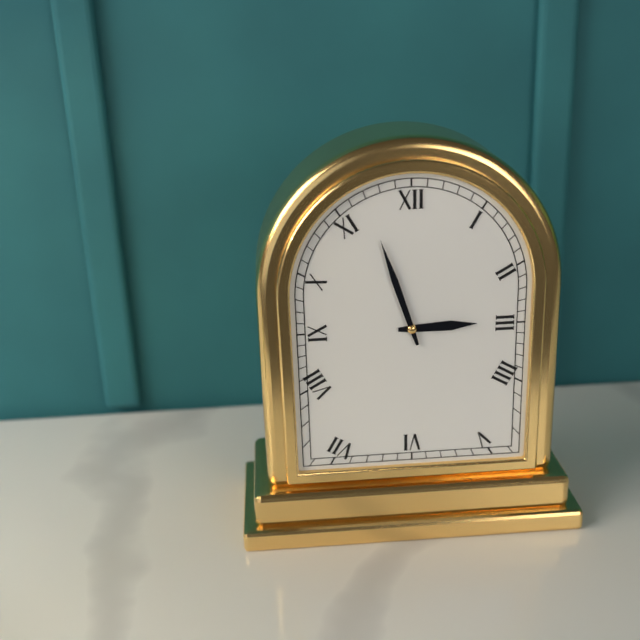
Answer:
**2:57**
